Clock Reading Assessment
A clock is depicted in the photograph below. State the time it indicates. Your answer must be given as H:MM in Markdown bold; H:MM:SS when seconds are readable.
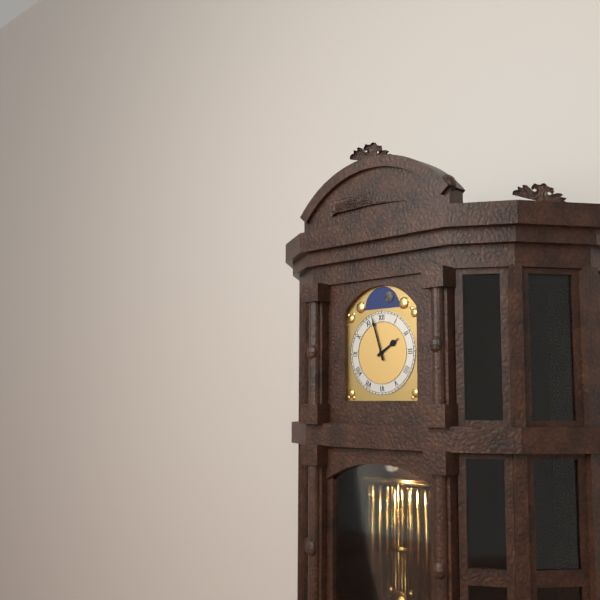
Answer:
**1:57**
